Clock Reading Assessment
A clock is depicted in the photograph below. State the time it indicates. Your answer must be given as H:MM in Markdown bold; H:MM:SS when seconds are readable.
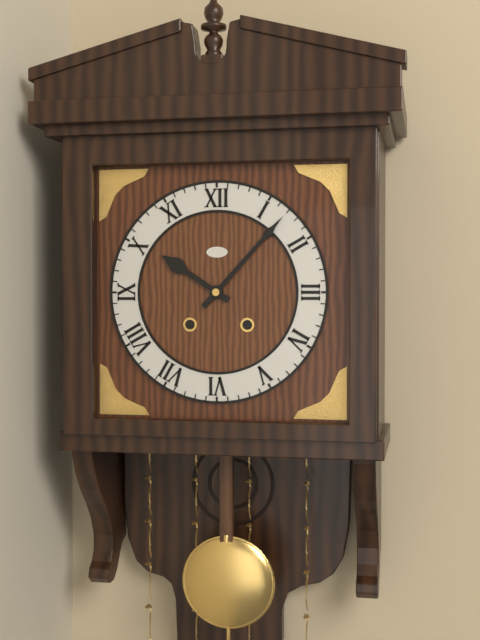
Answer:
**10:07**
